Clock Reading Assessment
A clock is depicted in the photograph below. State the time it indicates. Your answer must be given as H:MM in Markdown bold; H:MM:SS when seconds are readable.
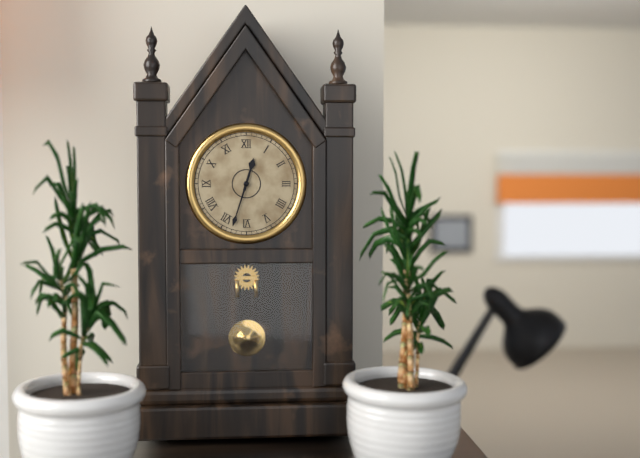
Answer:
**12:33**
